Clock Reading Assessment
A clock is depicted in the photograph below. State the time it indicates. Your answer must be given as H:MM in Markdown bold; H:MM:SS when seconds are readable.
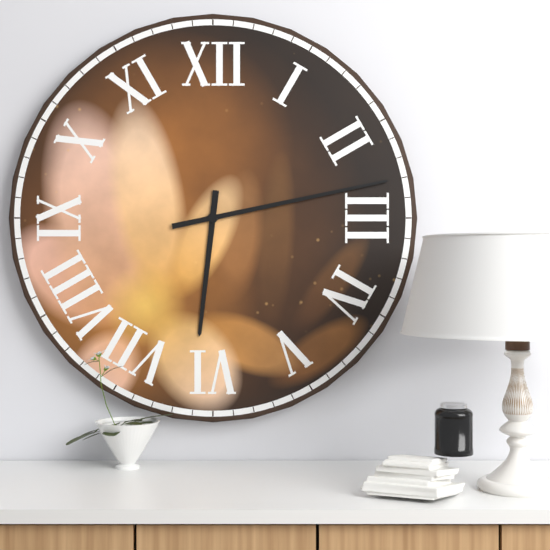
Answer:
**6:13**
